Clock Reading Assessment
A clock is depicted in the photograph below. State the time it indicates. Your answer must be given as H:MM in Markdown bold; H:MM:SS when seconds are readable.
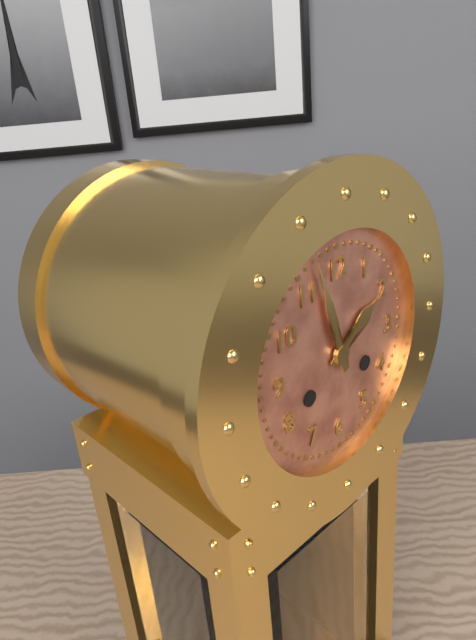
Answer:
**1:57**
